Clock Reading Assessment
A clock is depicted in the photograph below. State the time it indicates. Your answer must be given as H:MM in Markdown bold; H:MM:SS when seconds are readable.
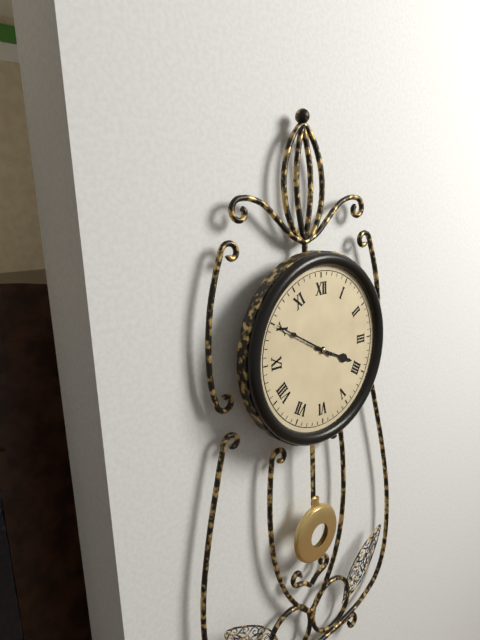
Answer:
**3:50**
